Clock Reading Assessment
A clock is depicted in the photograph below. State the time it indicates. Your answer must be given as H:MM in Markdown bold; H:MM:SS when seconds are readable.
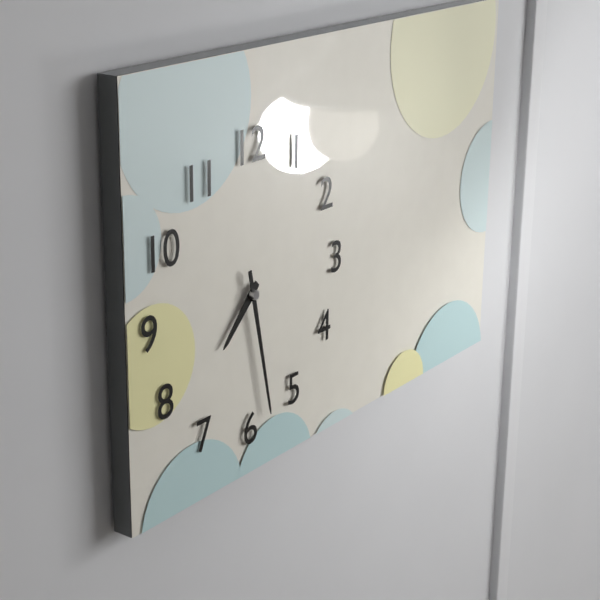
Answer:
**7:28**
